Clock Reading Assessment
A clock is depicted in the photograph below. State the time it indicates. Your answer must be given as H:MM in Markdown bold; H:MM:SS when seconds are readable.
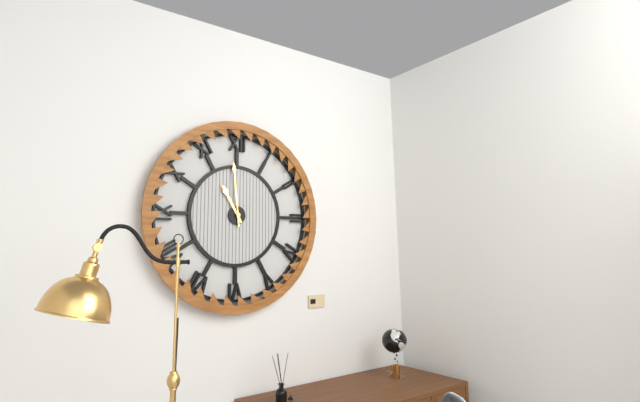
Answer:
**10:59**
